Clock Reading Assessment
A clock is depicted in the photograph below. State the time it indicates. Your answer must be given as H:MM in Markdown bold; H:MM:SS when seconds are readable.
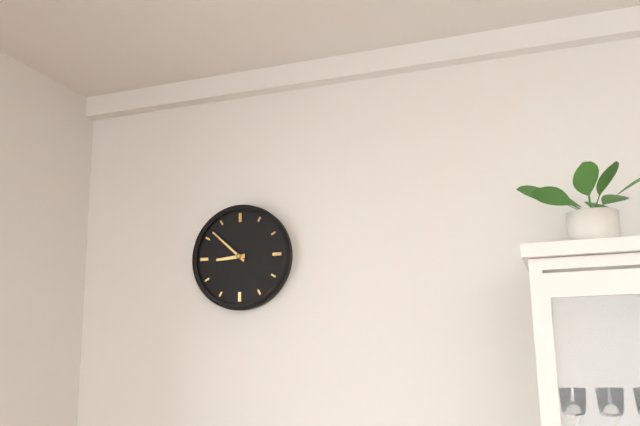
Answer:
**8:52**
